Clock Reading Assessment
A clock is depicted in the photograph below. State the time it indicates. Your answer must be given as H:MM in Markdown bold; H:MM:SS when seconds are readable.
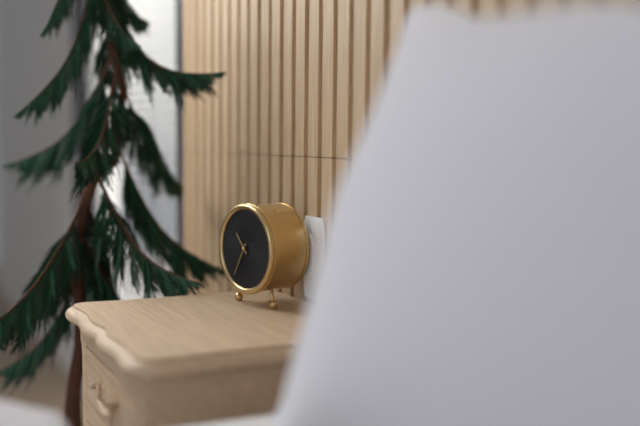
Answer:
**10:35**
